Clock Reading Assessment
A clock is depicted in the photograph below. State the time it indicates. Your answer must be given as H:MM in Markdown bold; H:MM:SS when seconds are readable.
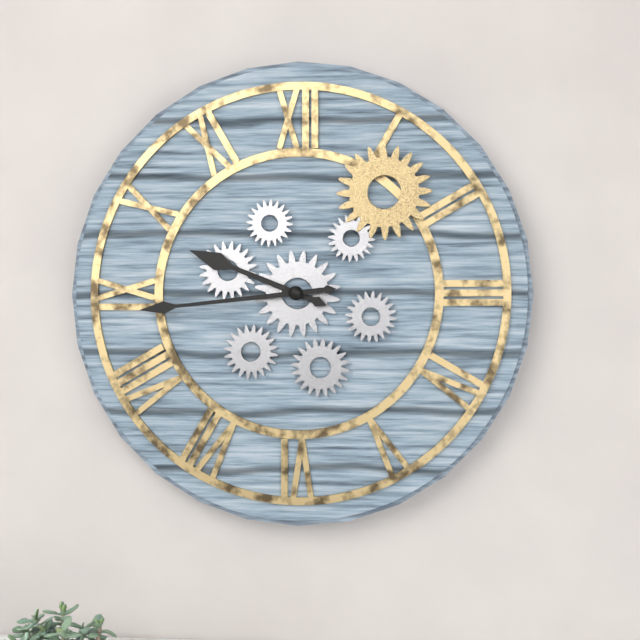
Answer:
**9:44**
